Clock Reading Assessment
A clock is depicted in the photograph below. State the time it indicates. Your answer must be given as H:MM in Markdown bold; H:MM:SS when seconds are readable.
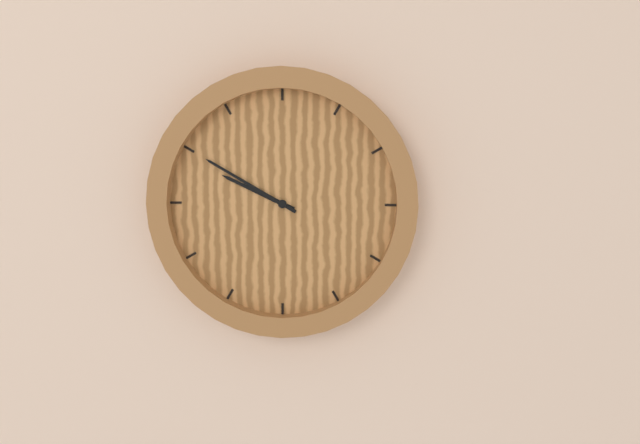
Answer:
**9:50**
